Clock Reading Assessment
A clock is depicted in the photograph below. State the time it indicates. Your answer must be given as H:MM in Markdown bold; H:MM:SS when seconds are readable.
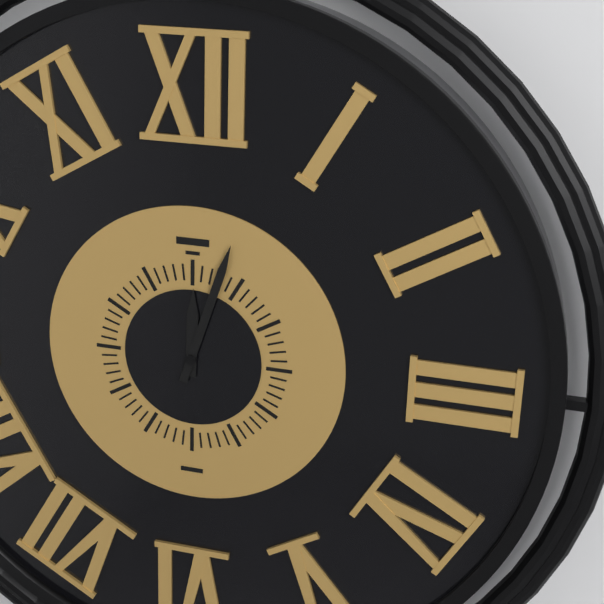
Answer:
**12:03**
